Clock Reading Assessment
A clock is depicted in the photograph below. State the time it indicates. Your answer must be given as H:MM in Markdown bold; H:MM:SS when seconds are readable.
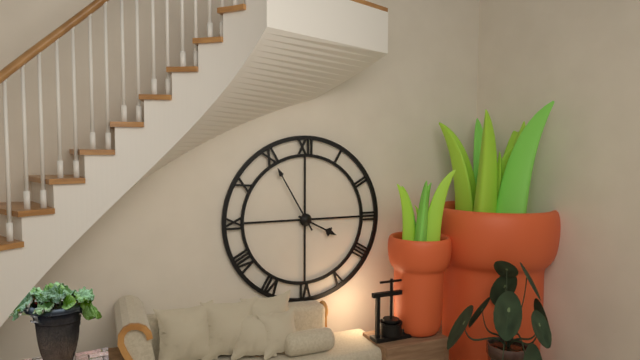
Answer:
**3:55**
